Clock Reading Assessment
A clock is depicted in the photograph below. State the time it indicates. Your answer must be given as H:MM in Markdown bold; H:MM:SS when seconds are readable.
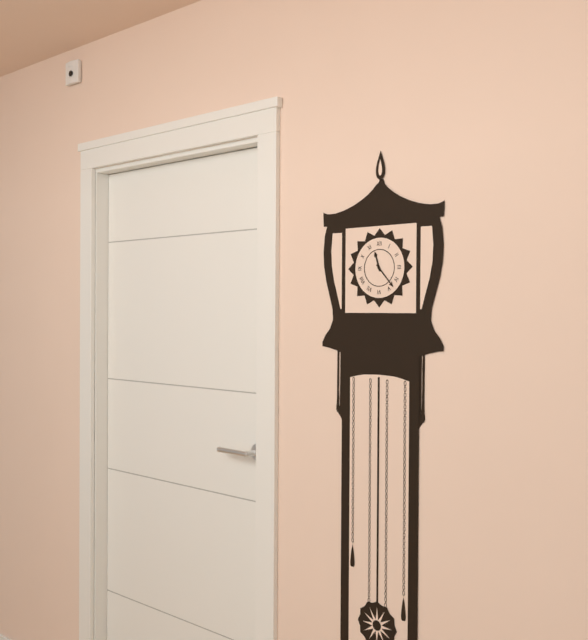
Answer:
**11:23**
